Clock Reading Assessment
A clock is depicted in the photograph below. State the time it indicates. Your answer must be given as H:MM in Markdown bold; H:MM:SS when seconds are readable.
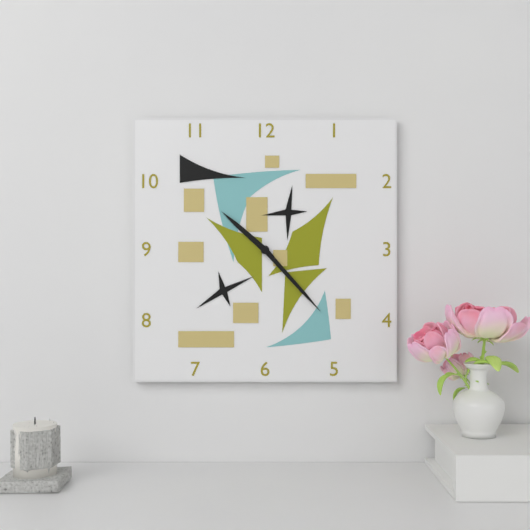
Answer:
**10:23**
